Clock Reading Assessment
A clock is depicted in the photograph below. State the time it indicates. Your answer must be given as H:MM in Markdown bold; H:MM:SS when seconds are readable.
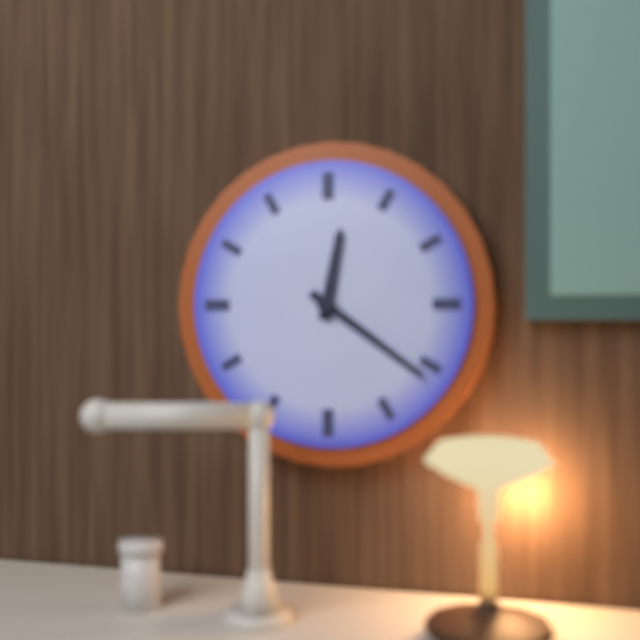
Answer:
**12:21**
